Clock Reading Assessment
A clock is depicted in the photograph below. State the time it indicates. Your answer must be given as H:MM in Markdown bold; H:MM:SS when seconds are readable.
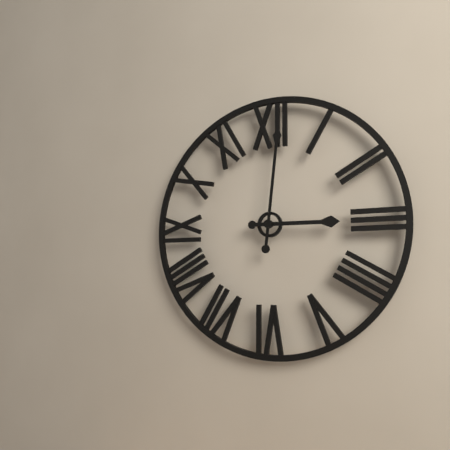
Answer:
**3:01**
